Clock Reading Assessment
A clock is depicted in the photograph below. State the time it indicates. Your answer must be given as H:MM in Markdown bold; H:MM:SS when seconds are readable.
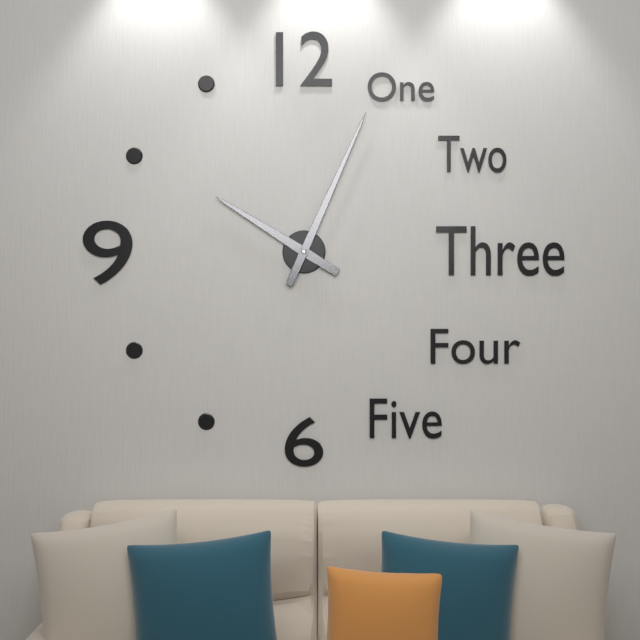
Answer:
**10:04**
